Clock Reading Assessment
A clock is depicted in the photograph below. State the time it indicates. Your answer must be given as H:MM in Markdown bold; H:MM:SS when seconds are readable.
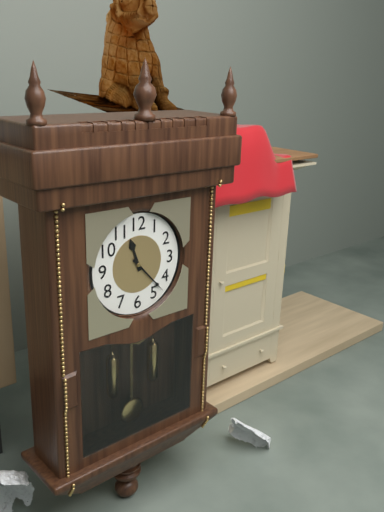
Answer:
**11:23**
